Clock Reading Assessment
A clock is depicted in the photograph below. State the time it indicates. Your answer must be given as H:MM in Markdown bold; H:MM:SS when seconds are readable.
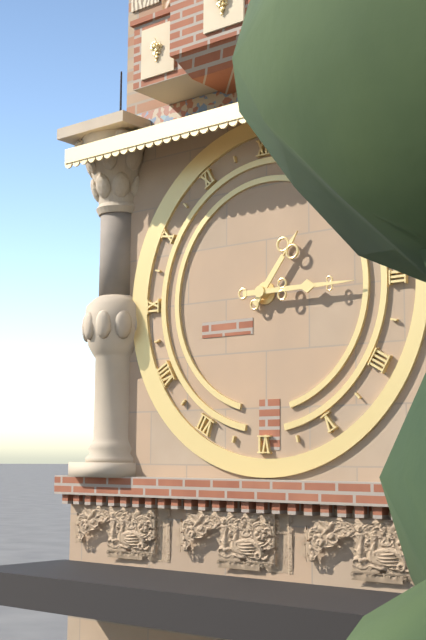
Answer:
**1:15**
